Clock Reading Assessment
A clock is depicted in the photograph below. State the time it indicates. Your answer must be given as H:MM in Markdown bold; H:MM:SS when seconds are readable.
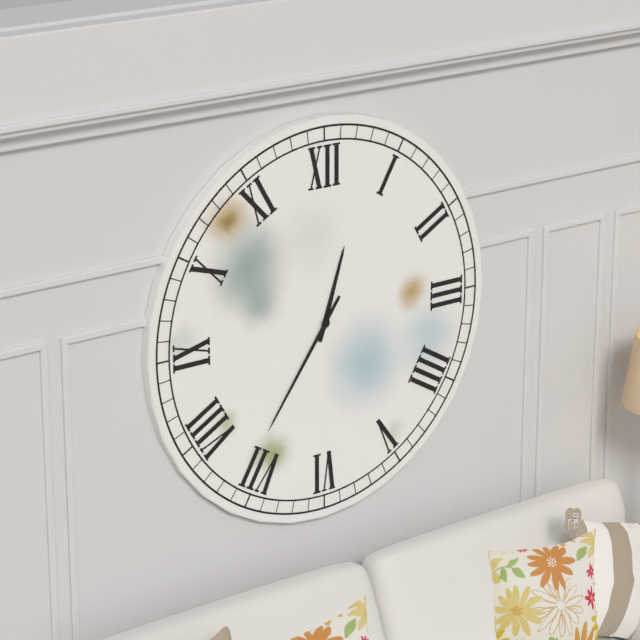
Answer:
**12:36**
